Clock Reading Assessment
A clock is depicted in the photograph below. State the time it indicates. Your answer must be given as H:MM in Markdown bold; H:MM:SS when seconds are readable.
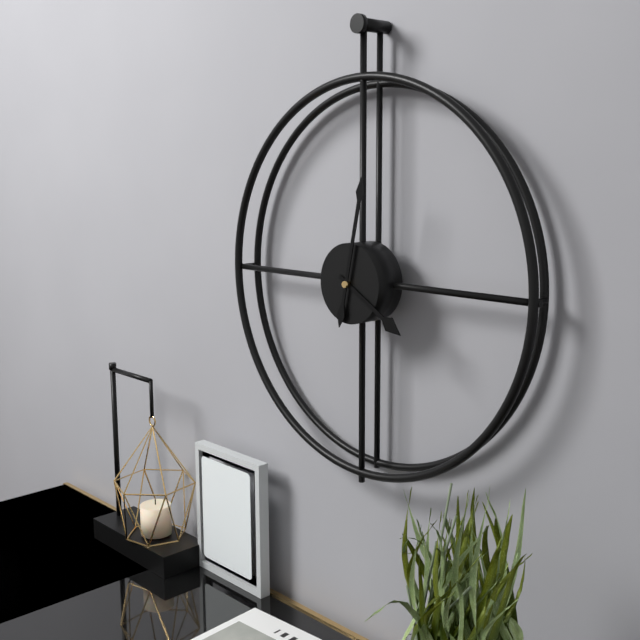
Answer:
**4:02**
